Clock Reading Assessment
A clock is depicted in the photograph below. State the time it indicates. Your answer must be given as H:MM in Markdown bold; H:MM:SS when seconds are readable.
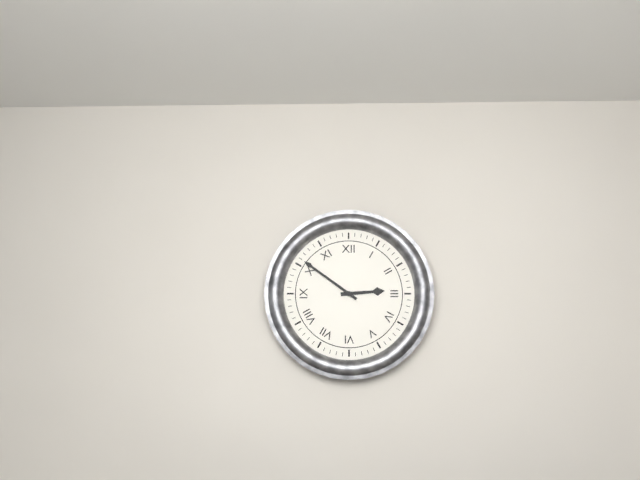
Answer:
**2:51**
